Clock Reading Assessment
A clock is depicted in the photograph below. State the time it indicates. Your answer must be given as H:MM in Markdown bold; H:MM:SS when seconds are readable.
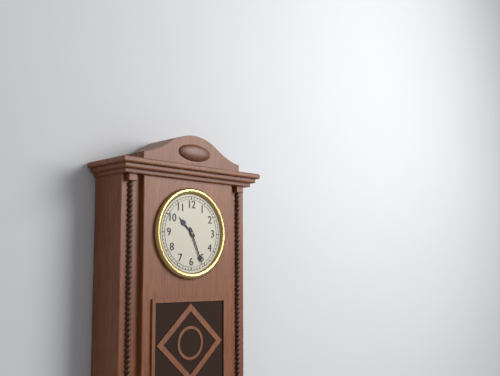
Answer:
**10:26**
